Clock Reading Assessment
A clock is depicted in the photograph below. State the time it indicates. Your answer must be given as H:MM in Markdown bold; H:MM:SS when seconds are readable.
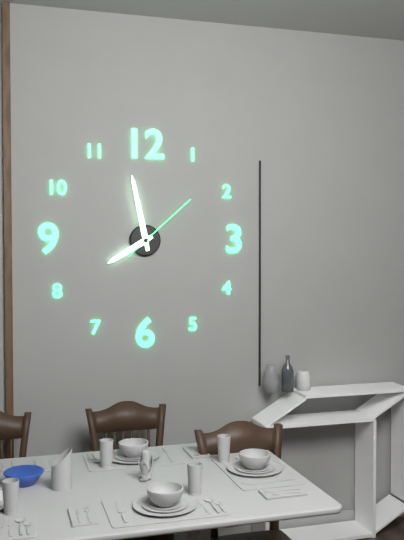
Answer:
**7:58:08**
